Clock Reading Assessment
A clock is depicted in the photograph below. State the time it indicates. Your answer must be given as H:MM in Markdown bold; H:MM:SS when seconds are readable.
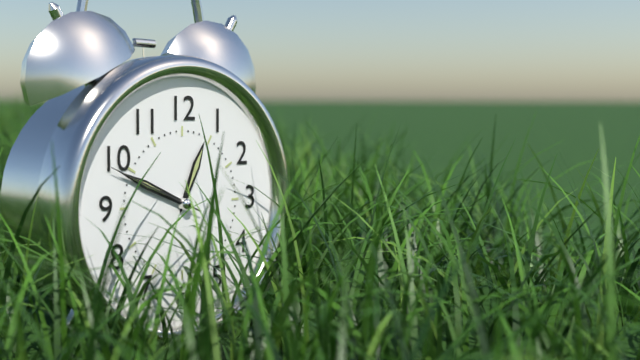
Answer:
**12:49:49**
